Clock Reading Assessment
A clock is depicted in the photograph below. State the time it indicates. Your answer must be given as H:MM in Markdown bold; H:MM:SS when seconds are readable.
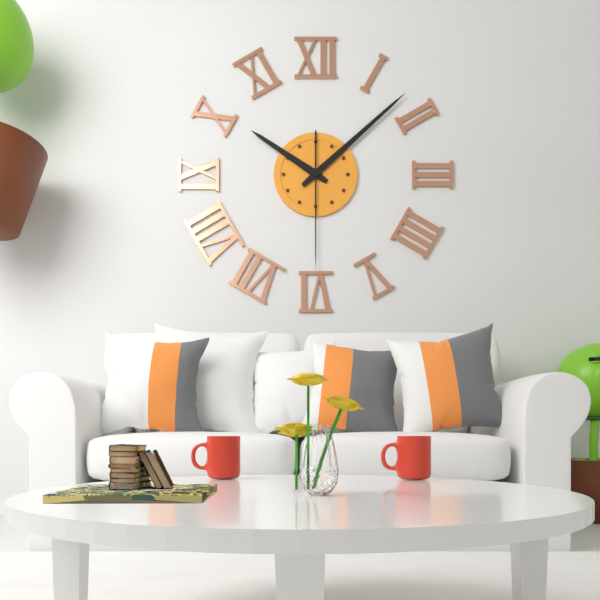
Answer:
**10:08:30**
